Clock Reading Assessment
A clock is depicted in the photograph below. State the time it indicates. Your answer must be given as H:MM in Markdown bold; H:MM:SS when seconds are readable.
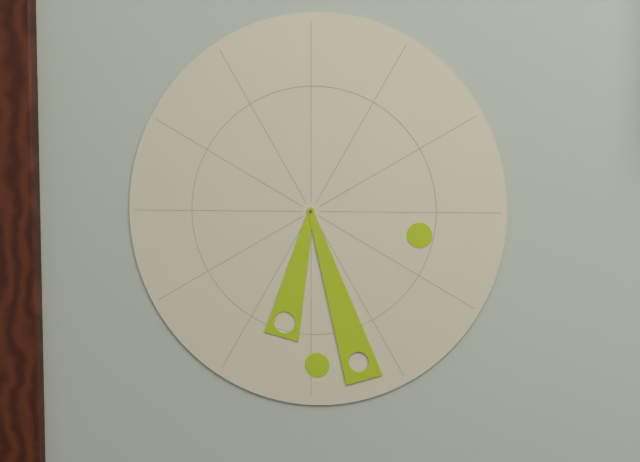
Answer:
**6:27**
